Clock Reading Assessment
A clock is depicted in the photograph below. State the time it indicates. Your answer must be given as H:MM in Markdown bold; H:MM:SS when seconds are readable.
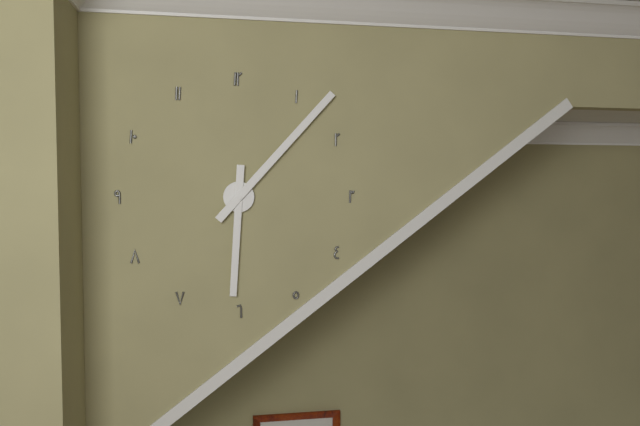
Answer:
**6:07**
